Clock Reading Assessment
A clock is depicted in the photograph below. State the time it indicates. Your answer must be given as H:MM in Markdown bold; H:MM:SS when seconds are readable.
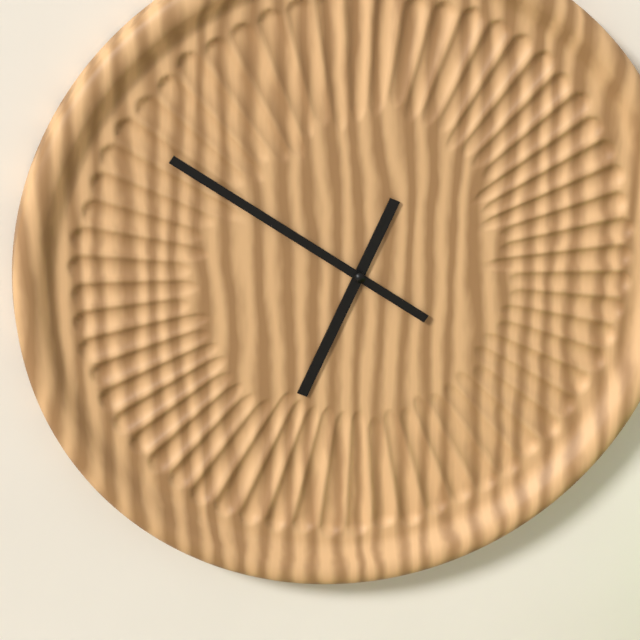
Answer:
**6:51**
